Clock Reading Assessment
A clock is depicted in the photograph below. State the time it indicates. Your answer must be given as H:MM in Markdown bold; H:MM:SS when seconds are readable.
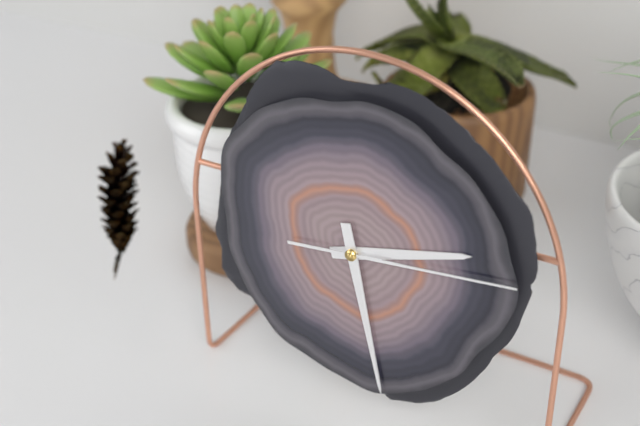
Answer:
**2:28:14**
